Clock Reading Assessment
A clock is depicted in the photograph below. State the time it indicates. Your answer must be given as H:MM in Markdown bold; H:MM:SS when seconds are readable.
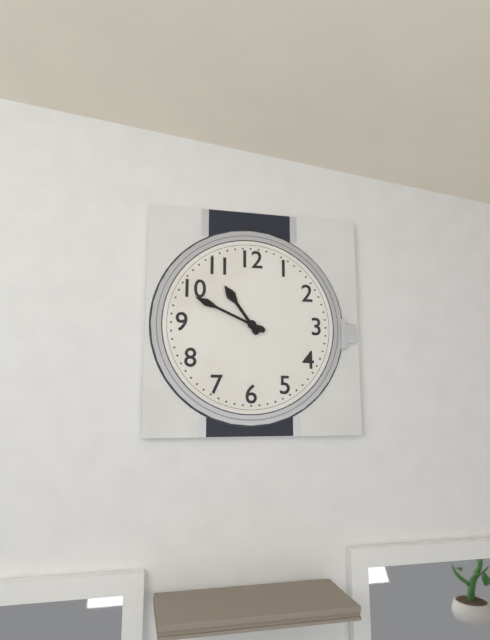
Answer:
**10:49**
